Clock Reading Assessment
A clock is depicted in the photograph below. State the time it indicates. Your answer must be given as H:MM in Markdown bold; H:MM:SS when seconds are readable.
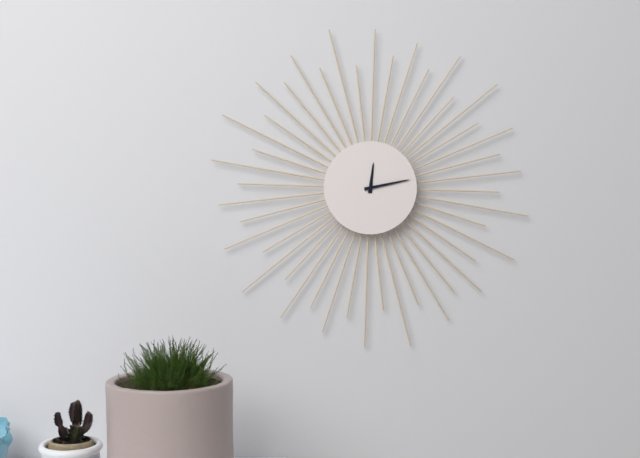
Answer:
**12:13**
